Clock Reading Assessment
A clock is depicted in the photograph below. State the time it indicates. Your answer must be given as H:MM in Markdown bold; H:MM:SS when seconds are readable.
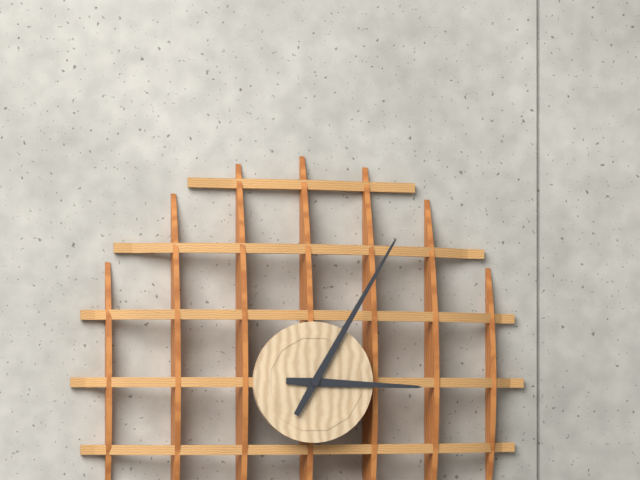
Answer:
**3:05**
